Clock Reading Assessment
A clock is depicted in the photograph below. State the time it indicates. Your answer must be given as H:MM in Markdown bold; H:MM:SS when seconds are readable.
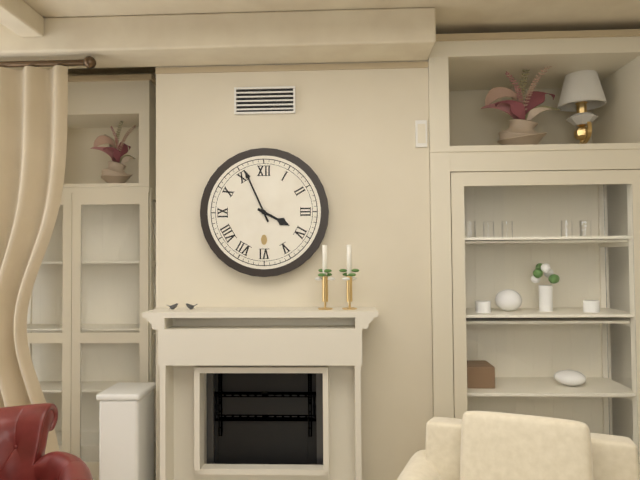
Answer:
**3:56**
